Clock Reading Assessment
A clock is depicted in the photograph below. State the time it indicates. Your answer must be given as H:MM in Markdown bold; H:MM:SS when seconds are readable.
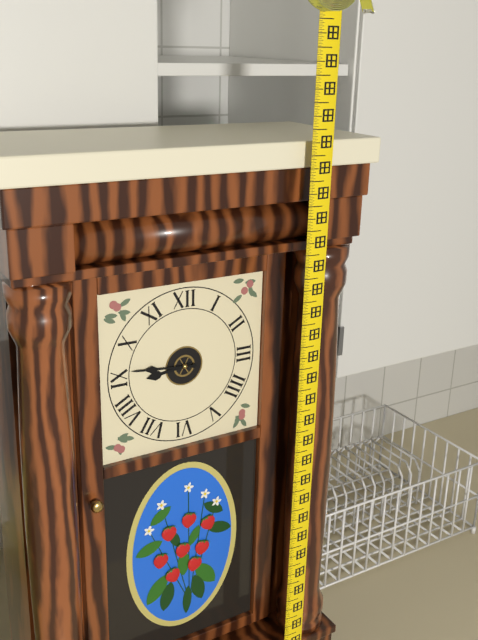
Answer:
**8:46**
